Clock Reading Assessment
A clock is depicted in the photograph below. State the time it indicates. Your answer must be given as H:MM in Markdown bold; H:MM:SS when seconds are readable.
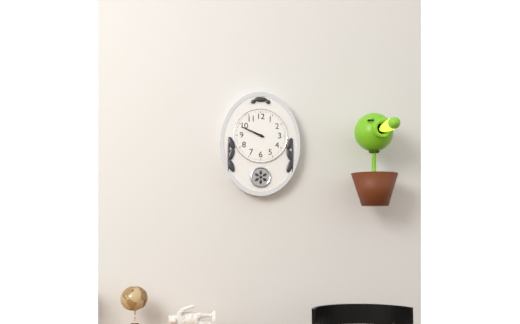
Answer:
**9:49**
